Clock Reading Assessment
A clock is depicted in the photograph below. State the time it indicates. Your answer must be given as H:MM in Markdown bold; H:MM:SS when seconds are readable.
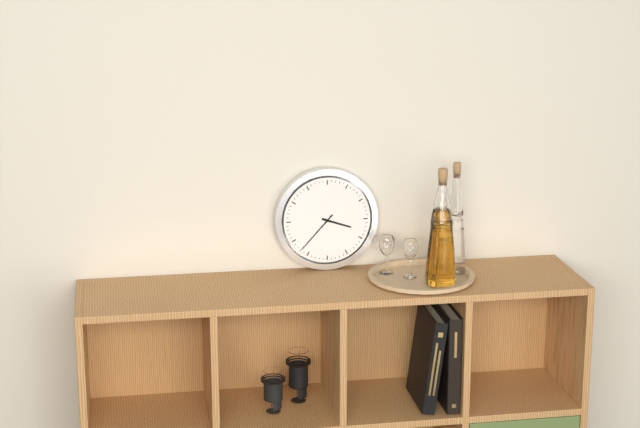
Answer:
**3:37**
